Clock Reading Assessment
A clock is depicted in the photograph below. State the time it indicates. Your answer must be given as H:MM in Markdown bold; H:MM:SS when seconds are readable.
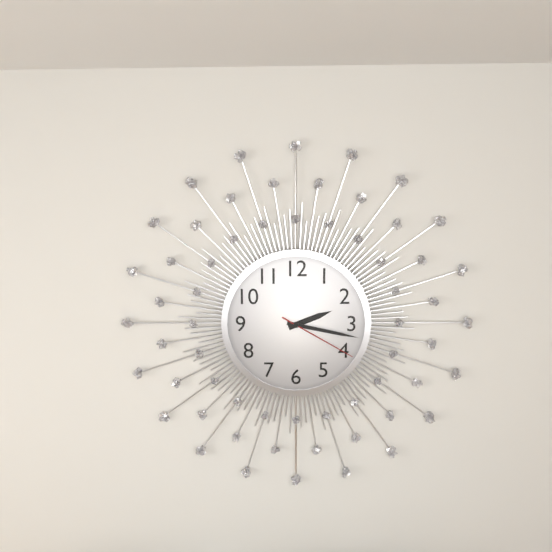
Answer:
**2:17:20**
